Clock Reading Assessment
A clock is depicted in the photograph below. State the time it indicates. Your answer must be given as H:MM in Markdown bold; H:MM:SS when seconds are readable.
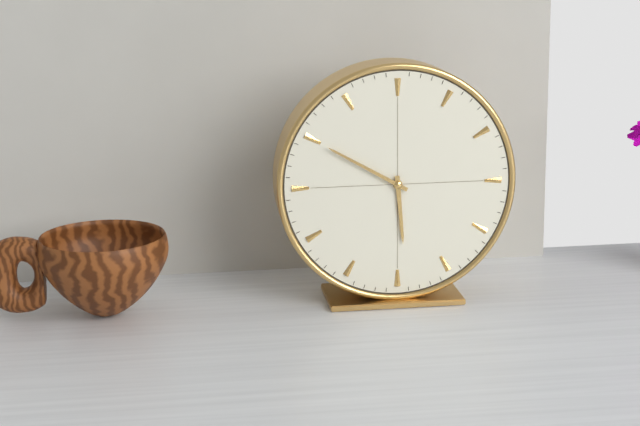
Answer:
**5:50**
